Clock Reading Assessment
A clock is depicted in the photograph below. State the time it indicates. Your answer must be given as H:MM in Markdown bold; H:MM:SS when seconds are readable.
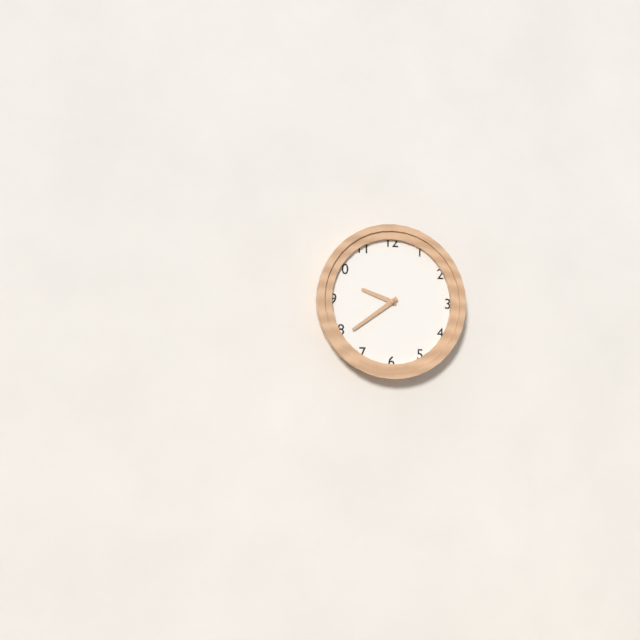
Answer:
**9:39**
